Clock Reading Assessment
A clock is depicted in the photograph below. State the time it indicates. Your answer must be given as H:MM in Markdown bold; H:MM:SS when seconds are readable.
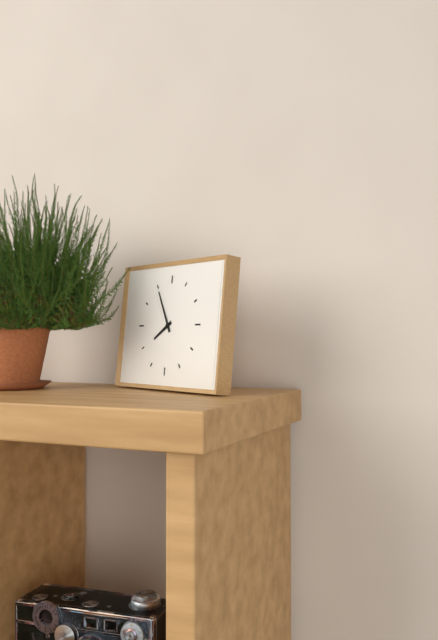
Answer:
**7:55**
